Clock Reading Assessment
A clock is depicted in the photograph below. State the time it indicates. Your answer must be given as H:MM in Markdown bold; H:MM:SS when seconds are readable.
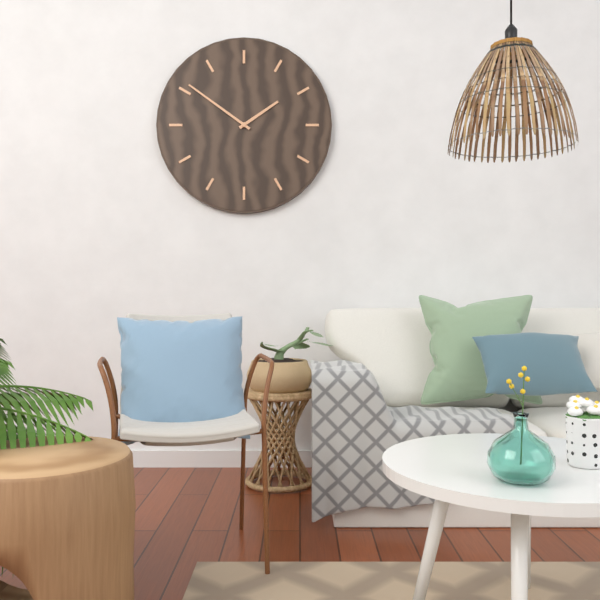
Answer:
**1:51**
